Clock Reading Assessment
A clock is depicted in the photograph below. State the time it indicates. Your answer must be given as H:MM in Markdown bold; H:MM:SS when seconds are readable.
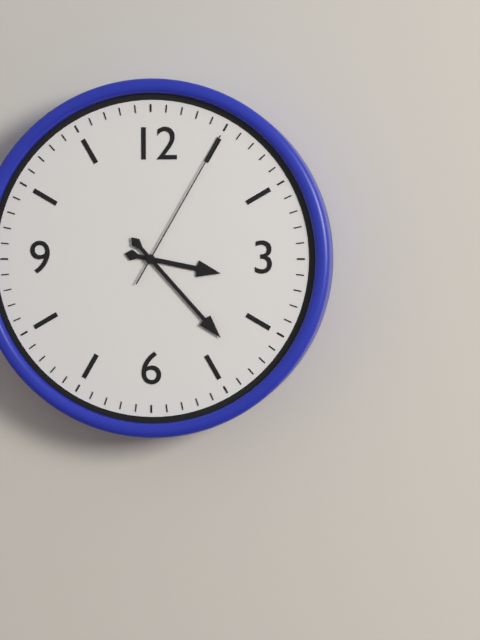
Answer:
**3:23:05**
